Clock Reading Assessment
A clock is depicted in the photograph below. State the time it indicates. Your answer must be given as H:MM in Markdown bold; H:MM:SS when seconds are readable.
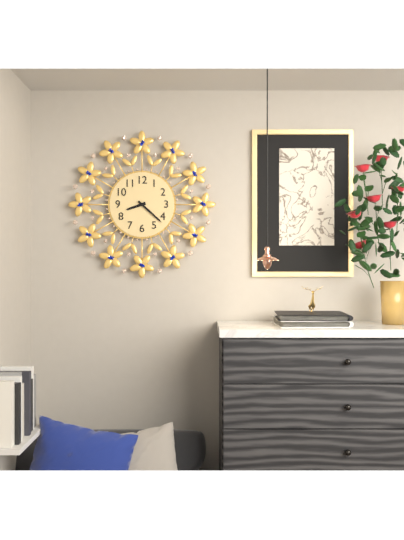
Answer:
**8:22**
